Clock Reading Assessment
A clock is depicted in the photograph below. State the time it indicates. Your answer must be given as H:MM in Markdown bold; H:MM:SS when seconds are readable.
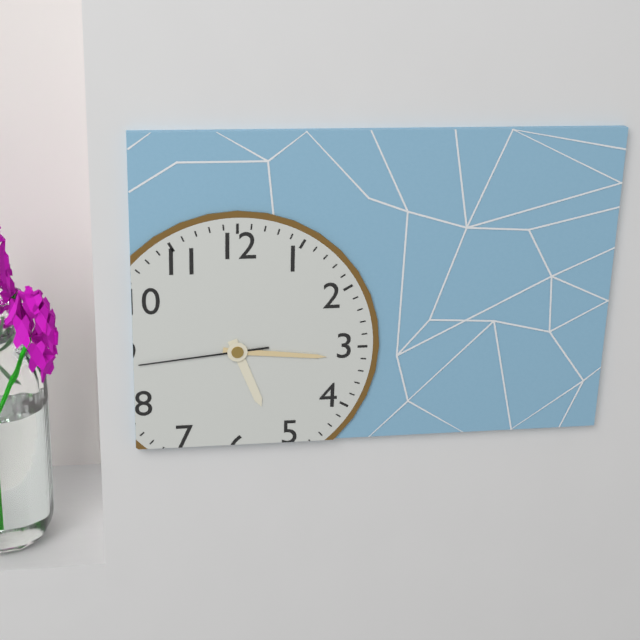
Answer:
**5:16:44**
